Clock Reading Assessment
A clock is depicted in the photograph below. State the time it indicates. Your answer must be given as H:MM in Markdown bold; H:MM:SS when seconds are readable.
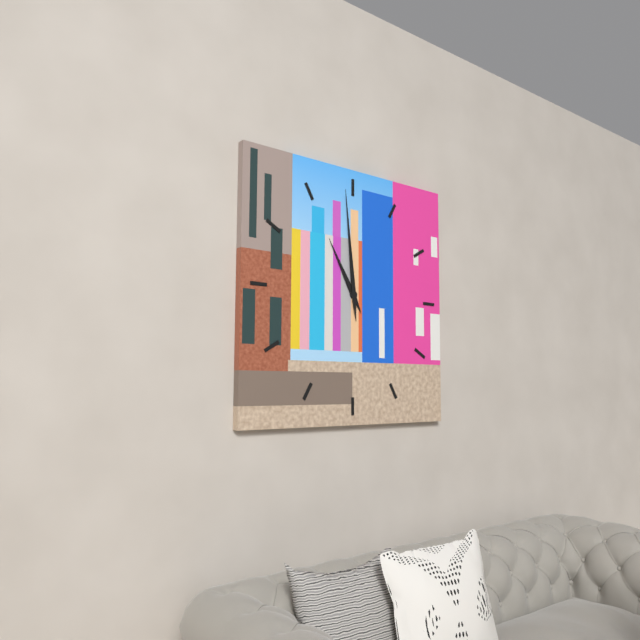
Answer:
**10:59**
